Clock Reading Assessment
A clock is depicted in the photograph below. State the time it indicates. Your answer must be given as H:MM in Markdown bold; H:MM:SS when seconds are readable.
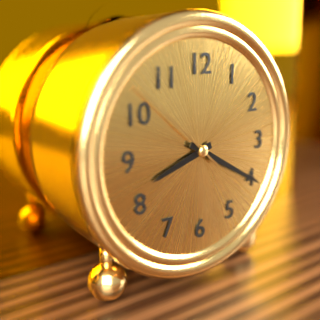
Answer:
**8:20:52**
